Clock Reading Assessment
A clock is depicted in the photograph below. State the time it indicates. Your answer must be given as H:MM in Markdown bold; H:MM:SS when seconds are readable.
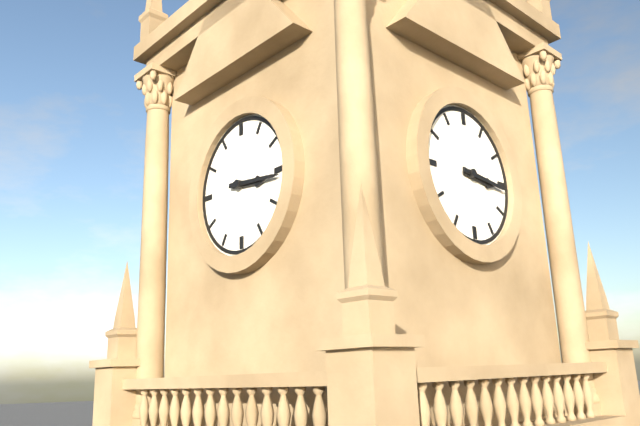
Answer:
**3:16**
